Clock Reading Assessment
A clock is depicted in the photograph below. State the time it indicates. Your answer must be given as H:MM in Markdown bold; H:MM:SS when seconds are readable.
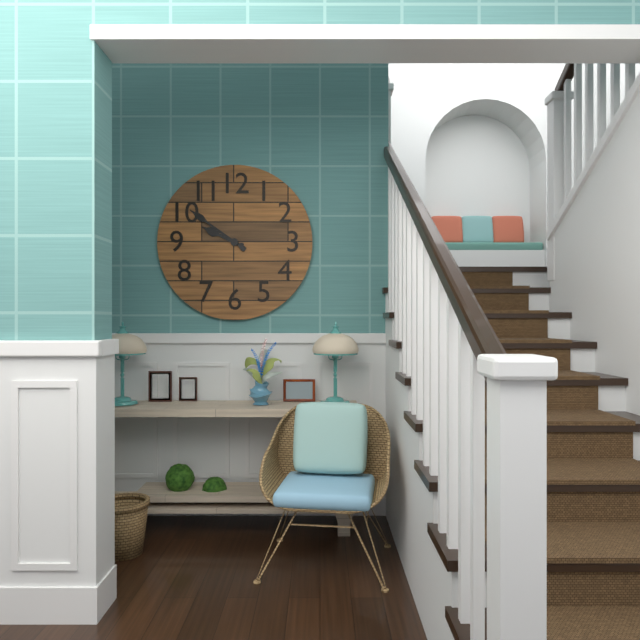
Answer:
**9:51**
